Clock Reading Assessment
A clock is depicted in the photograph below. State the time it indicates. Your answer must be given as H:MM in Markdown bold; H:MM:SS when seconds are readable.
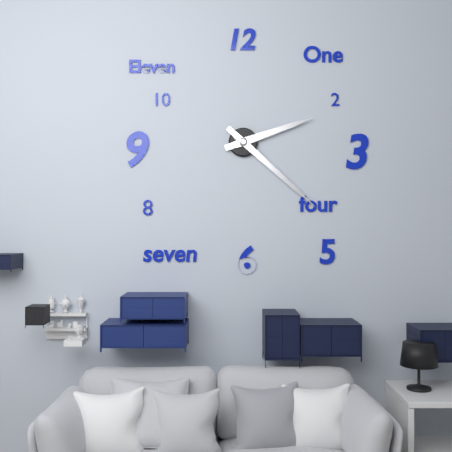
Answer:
**2:22**
